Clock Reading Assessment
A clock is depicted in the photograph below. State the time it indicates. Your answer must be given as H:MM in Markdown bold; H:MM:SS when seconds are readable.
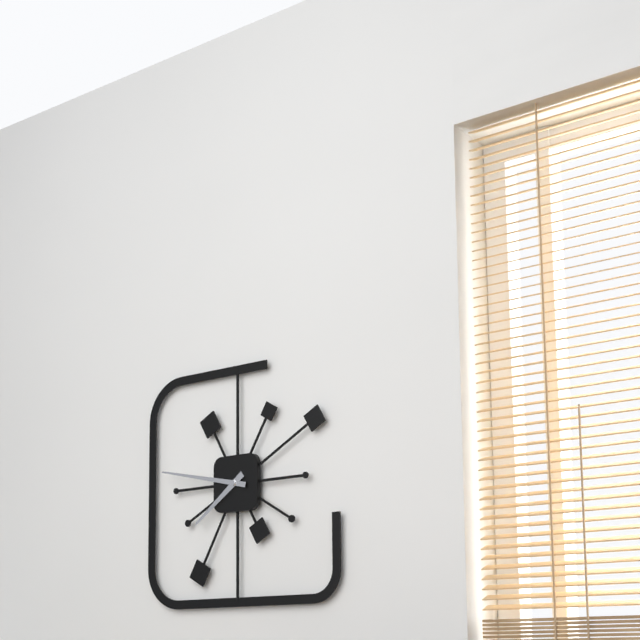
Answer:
**7:47**
